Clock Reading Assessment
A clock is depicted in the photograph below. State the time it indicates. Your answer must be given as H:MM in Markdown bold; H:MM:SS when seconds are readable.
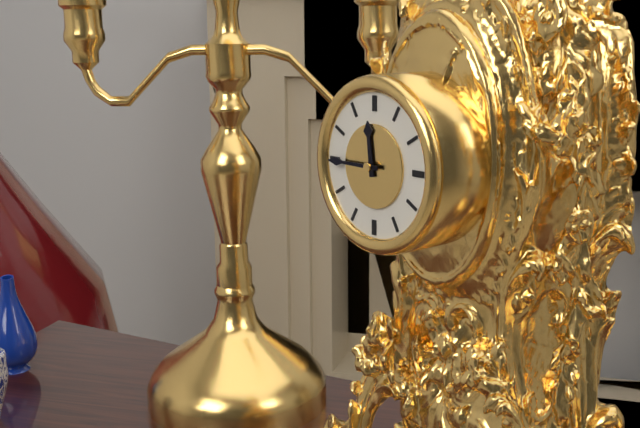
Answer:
**11:45**
